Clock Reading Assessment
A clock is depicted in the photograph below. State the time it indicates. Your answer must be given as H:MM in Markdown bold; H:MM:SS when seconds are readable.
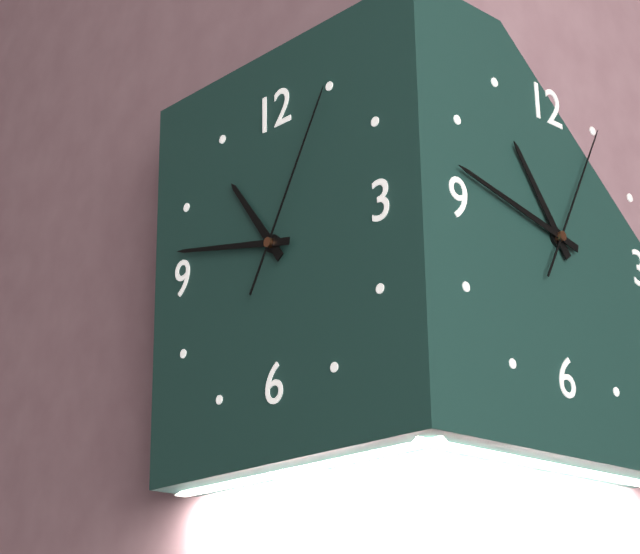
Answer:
**10:47:05**
